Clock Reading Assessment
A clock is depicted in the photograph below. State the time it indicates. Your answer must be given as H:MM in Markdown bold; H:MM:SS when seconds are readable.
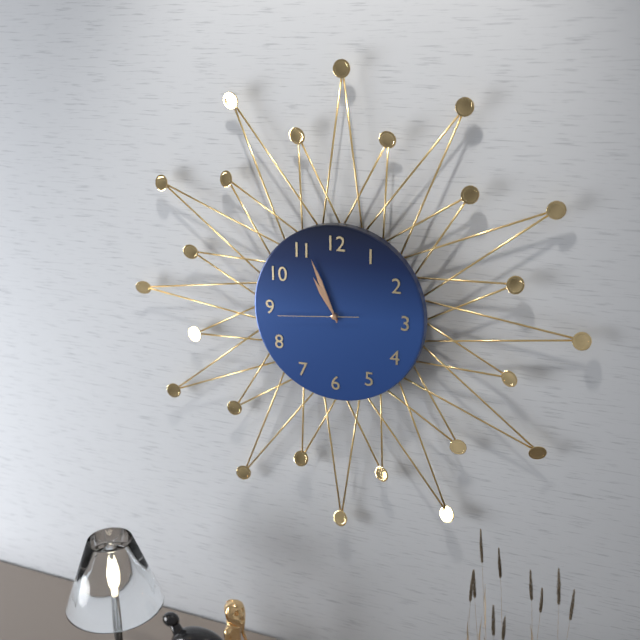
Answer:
**10:56:44**
